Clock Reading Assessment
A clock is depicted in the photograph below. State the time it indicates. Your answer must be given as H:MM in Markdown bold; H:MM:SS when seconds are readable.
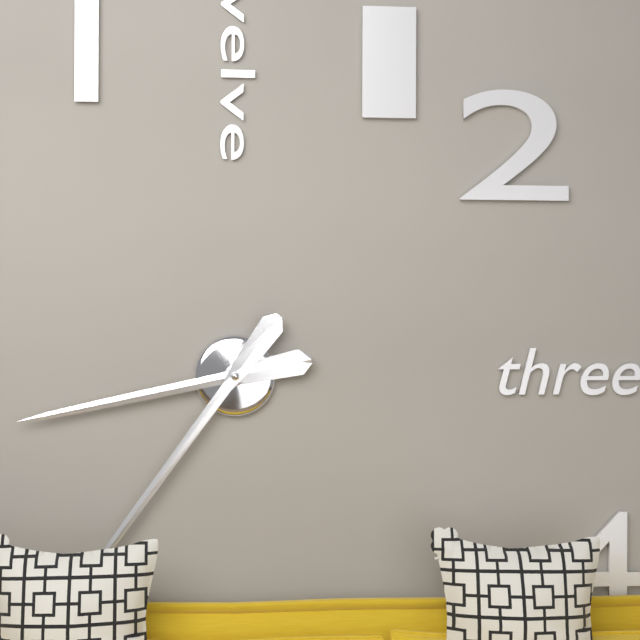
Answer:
**8:36**
